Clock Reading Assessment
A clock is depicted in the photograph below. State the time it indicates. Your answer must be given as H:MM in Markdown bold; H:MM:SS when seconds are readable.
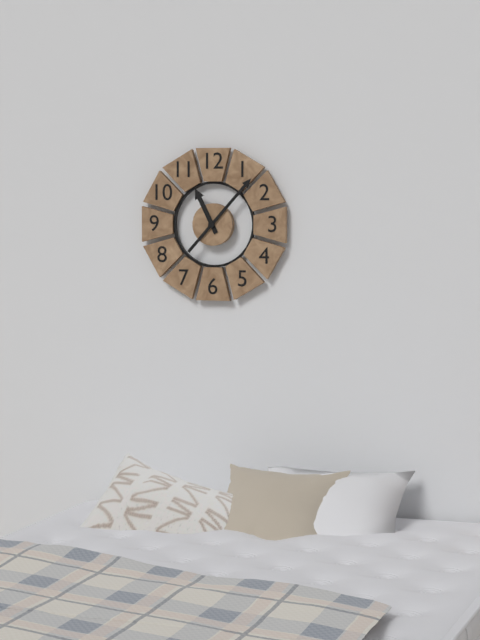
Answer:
**11:07**
